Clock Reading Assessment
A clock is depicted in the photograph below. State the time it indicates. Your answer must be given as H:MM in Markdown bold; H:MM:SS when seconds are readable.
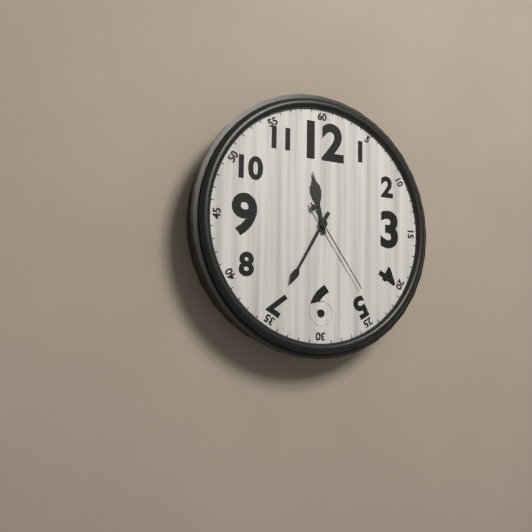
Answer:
**11:35:24**
